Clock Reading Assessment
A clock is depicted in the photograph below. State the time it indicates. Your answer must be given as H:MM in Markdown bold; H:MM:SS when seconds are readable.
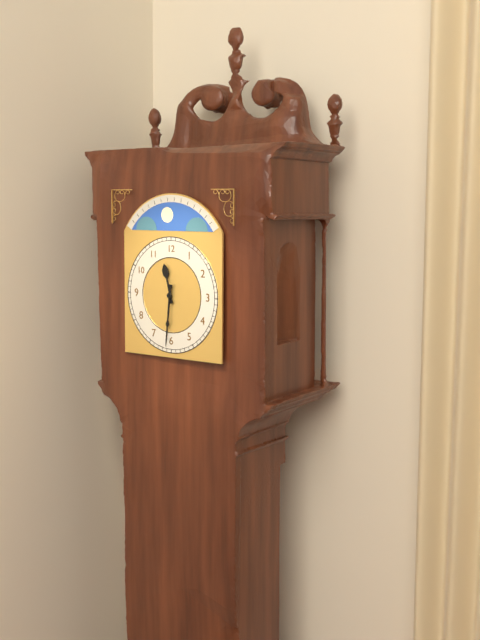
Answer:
**11:31**
